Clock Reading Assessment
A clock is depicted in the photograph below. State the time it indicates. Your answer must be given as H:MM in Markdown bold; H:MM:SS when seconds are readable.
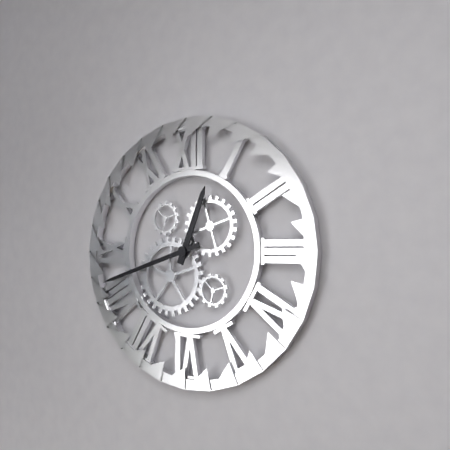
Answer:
**12:42**
